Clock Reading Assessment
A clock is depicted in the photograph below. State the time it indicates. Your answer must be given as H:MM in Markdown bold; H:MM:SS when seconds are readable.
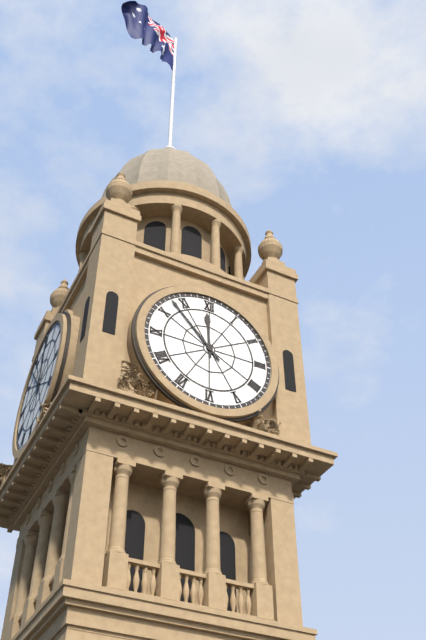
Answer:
**11:53**
